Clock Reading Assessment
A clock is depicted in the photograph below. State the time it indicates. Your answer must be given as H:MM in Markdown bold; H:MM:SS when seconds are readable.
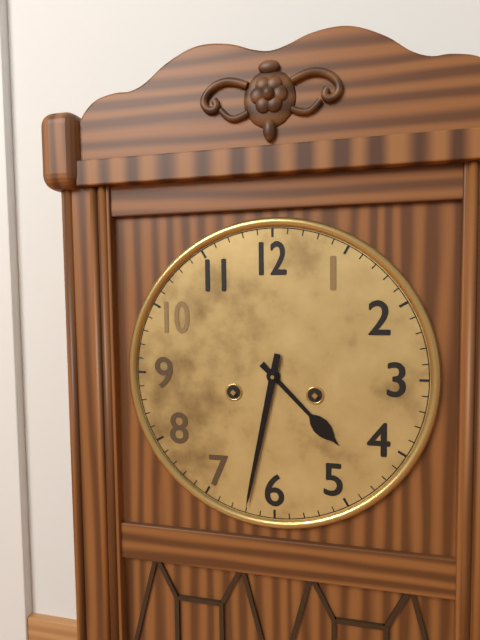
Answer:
**4:32**
